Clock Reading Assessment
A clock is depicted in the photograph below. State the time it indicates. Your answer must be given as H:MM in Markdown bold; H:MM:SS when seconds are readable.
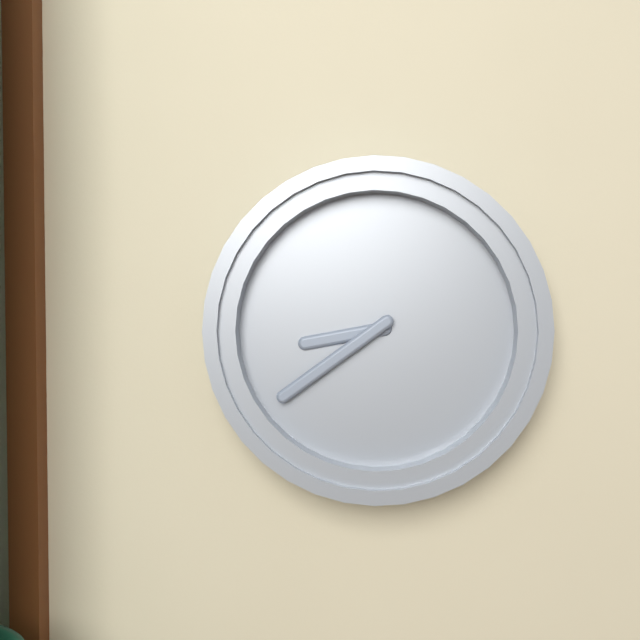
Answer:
**8:39**
